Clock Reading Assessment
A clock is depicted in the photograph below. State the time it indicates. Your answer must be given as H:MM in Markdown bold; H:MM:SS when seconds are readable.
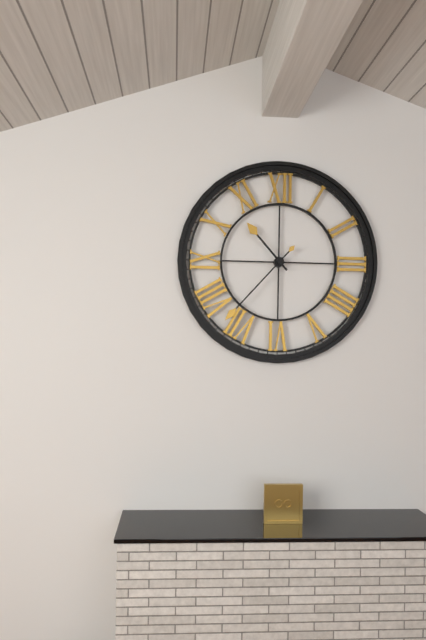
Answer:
**10:37**
